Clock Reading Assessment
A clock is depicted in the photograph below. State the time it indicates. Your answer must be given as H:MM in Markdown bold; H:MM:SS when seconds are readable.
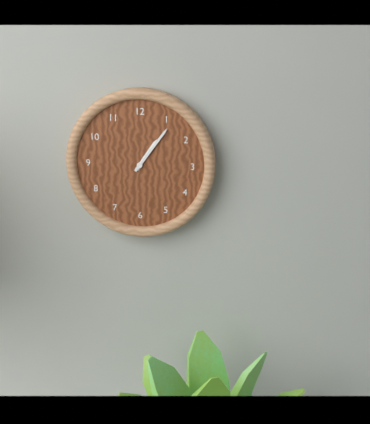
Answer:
**1:06**
